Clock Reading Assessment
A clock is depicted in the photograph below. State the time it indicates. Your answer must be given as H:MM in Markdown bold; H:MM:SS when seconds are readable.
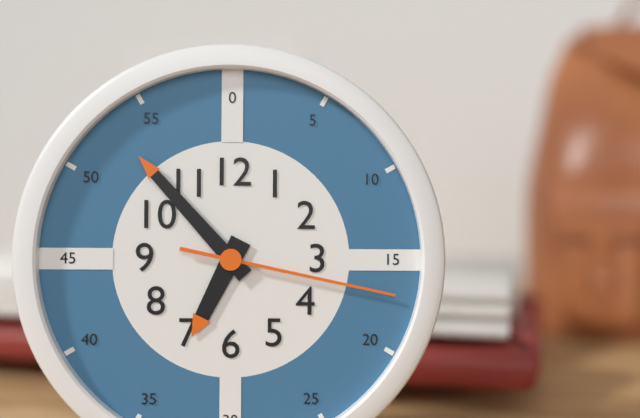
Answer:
**6:53:17**
